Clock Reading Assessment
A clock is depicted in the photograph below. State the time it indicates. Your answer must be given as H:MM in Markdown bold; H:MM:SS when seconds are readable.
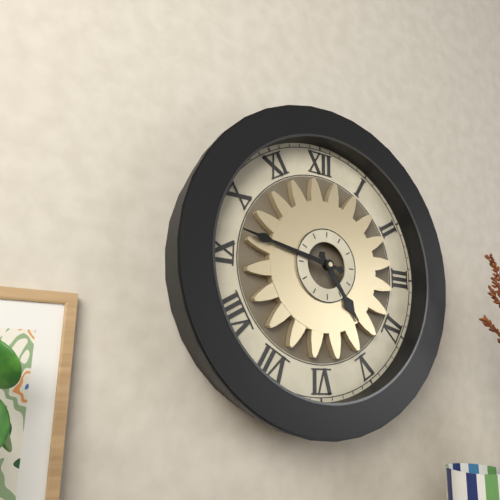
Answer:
**4:47**
